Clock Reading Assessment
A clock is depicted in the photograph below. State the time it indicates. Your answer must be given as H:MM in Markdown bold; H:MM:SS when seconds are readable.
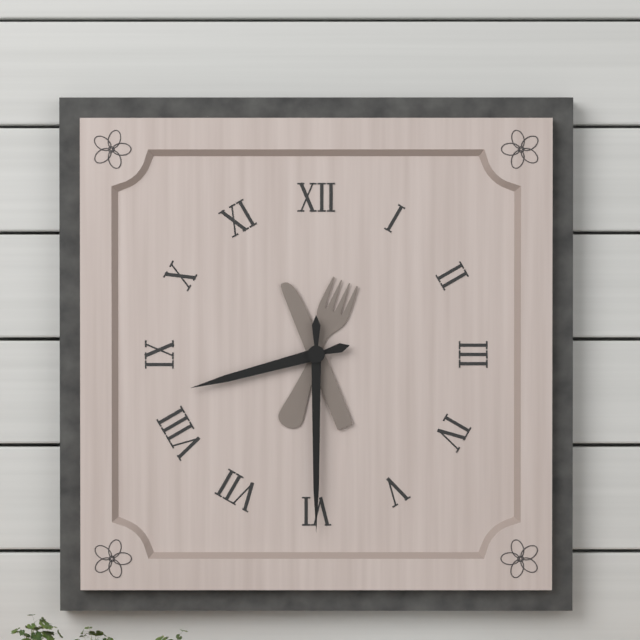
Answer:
**8:30**
